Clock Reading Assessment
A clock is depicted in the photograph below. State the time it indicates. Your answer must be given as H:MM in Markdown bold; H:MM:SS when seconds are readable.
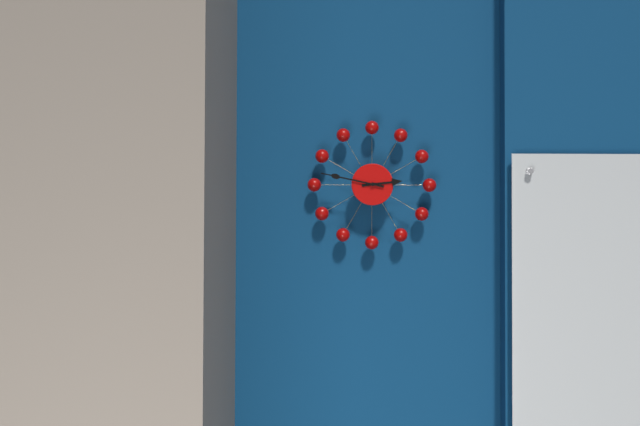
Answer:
**2:47**
